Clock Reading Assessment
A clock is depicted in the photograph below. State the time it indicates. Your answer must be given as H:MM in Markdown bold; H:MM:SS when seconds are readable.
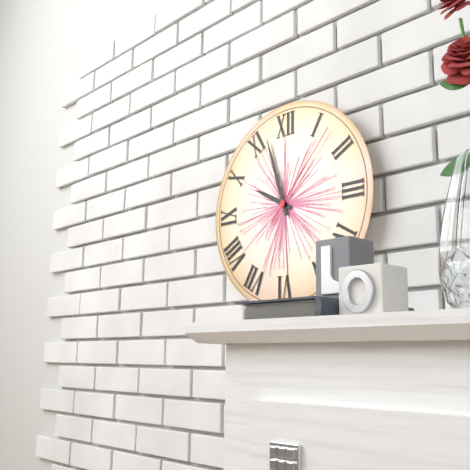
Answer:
**9:57:07**
